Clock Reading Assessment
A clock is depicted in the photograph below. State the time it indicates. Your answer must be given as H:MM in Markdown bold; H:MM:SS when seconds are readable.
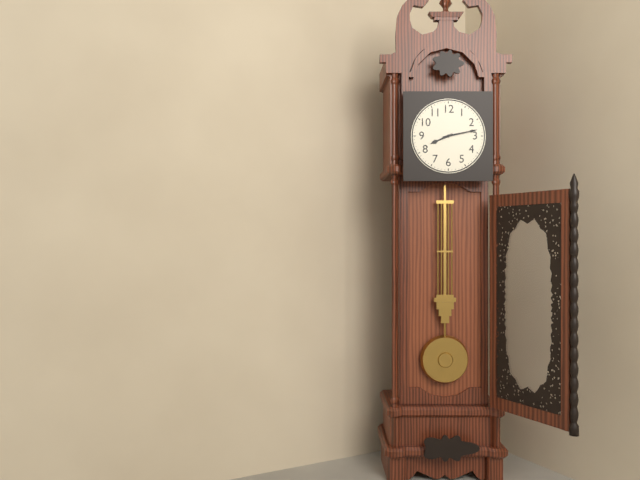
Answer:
**8:13**
